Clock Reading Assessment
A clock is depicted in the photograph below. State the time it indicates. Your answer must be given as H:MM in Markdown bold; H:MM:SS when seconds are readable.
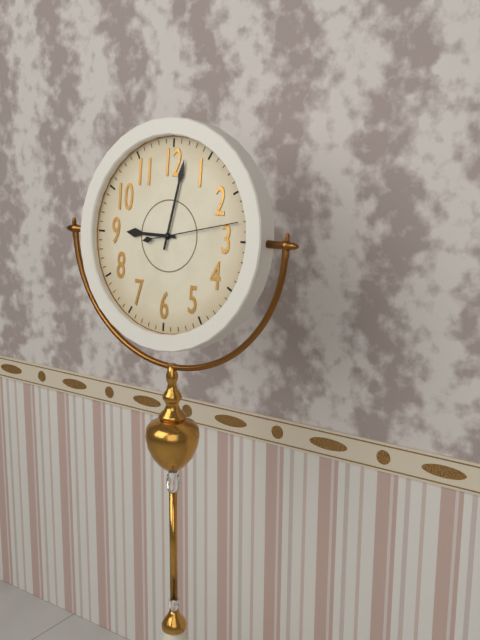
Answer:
**9:02:13**
